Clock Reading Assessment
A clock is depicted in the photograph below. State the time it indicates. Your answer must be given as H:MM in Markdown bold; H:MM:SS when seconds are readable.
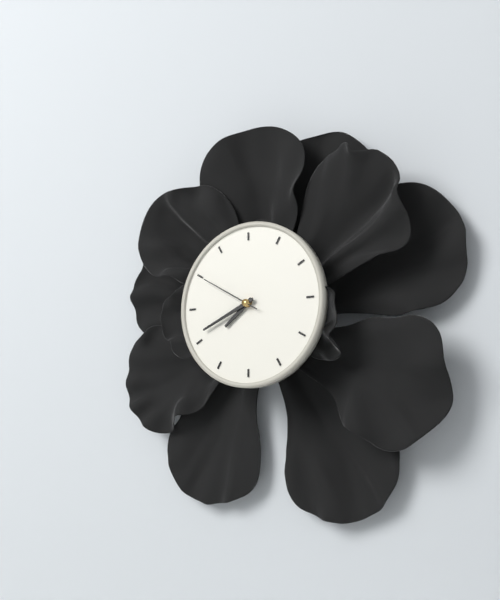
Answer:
**7:41:50**
